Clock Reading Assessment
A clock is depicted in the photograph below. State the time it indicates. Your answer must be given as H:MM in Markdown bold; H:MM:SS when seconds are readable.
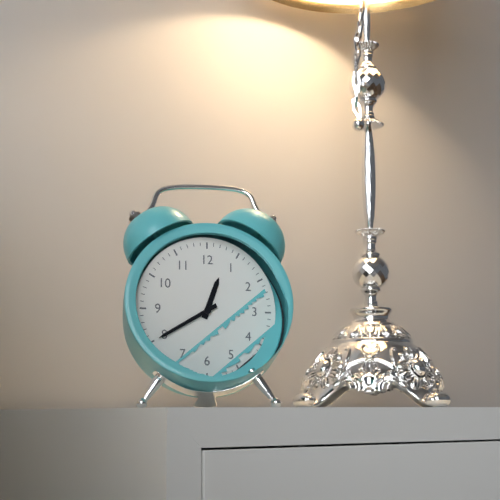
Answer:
**12:40**
